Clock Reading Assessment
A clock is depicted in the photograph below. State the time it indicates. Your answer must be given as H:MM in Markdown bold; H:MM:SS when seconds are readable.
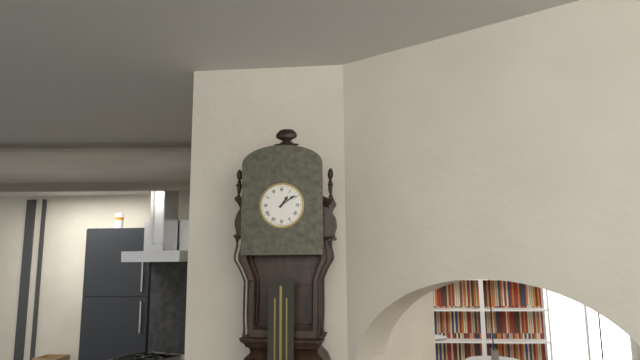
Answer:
**1:09**
